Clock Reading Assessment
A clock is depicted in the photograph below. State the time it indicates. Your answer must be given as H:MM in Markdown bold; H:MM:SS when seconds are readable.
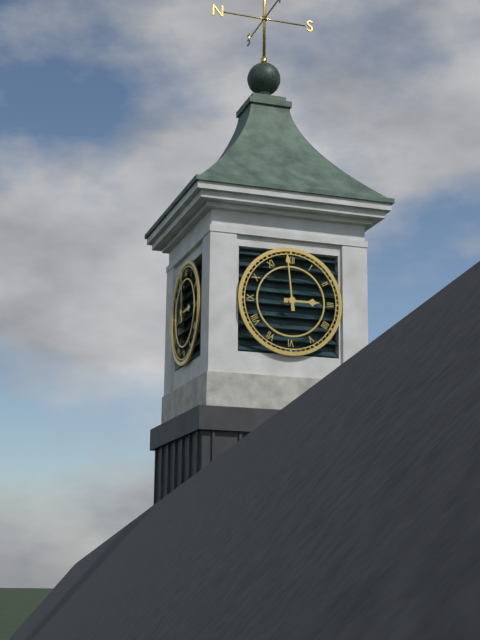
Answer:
**2:59**
